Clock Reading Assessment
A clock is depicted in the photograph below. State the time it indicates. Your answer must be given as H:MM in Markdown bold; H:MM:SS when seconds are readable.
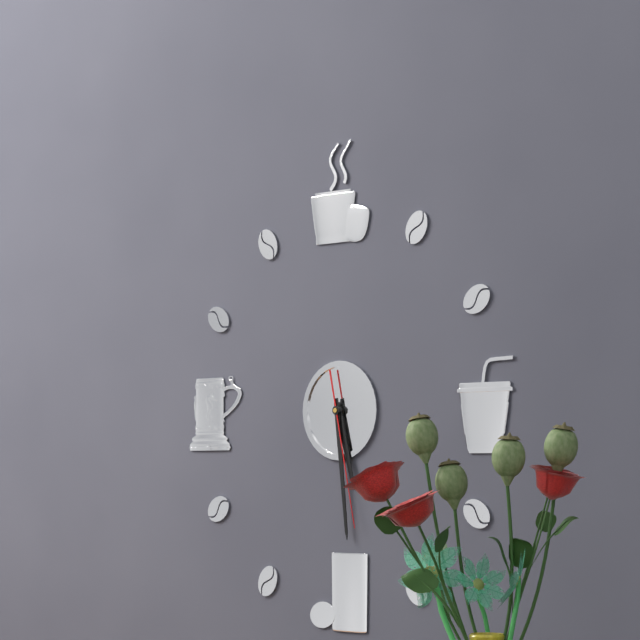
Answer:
**5:29:28**
